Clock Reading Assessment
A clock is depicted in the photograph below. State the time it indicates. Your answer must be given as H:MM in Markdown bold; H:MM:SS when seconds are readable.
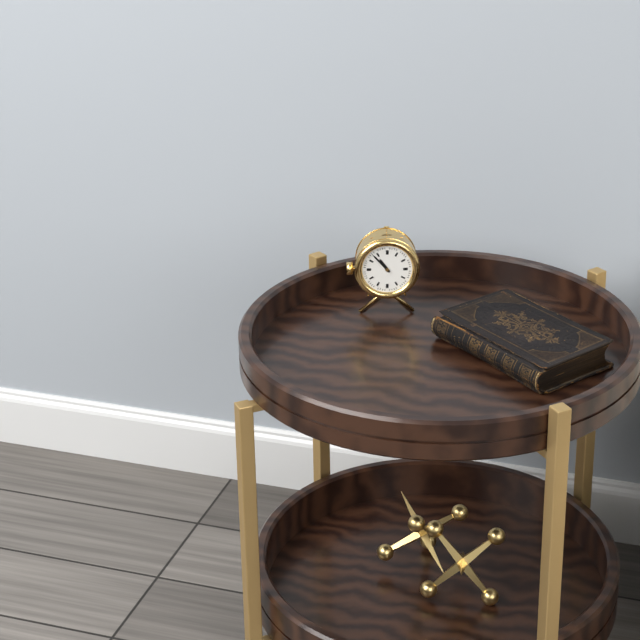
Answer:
**10:53**
